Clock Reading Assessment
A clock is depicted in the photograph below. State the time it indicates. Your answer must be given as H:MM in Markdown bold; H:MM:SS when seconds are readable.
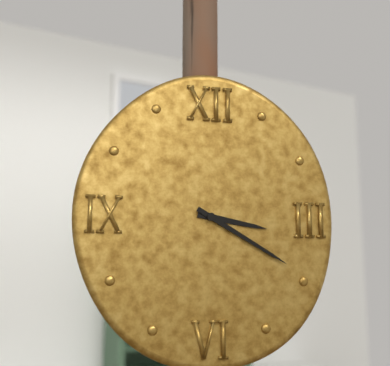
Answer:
**3:20**
